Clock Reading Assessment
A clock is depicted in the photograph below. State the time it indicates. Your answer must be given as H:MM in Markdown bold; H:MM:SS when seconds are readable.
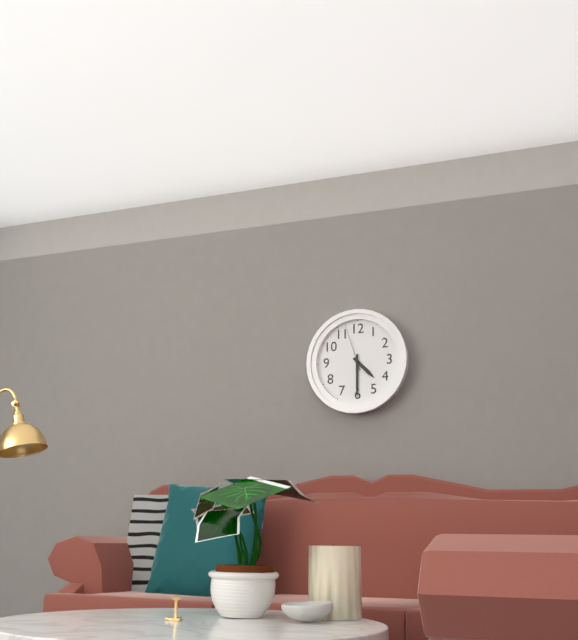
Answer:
**4:30**
